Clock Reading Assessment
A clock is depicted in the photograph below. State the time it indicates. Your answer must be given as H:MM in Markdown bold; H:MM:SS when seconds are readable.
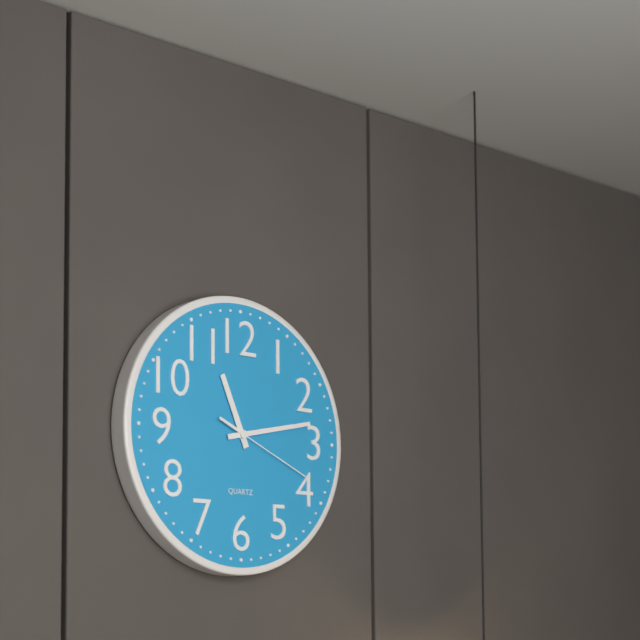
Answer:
**11:13:19**
